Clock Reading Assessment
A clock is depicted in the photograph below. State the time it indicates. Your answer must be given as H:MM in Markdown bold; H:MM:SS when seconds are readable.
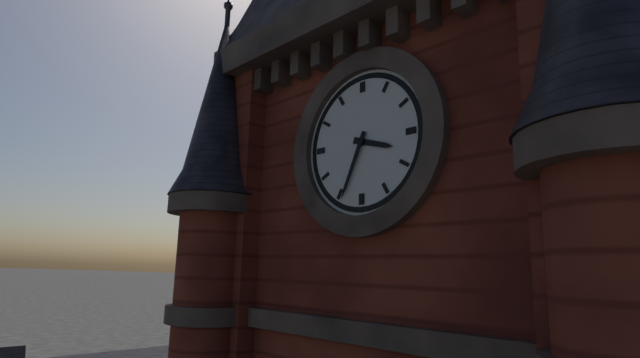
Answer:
**3:34**
